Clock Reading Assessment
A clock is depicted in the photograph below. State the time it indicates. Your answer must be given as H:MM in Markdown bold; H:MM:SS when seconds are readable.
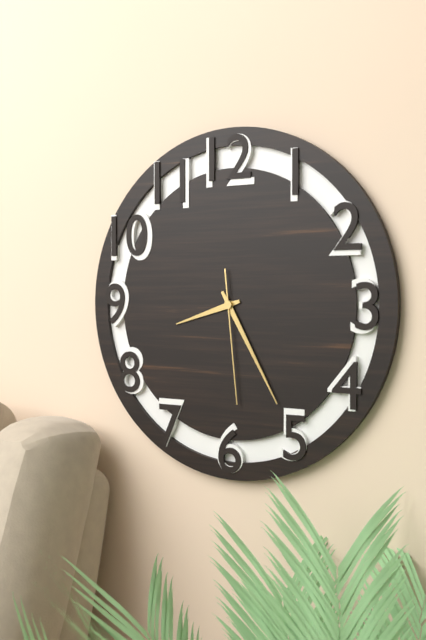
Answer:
**8:25:29**
